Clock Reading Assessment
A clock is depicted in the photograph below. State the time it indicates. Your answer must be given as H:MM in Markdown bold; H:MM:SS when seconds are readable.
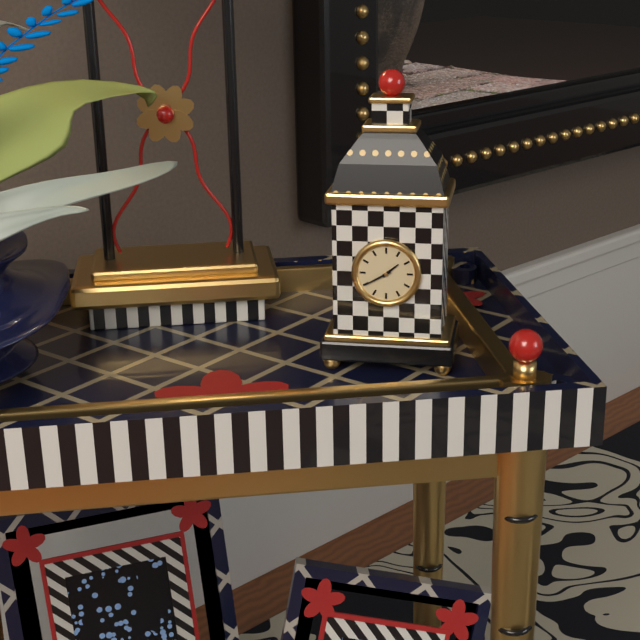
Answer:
**1:40**
